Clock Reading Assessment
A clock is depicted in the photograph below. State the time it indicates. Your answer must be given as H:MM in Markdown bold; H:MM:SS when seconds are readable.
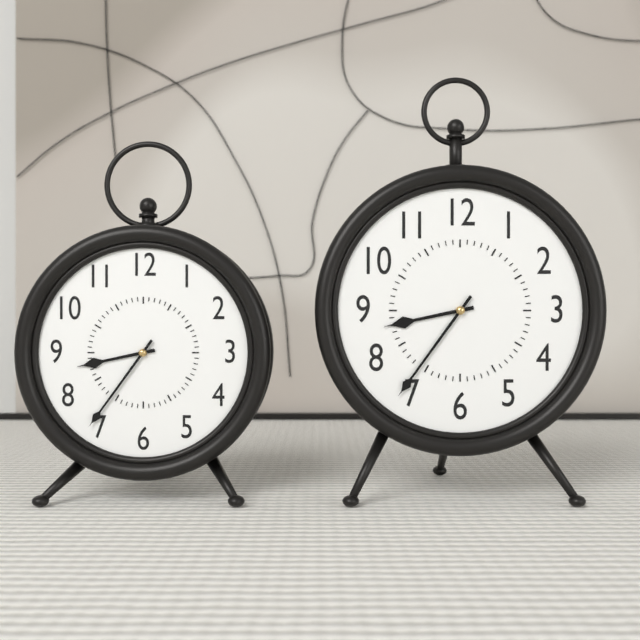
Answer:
**8:36**
